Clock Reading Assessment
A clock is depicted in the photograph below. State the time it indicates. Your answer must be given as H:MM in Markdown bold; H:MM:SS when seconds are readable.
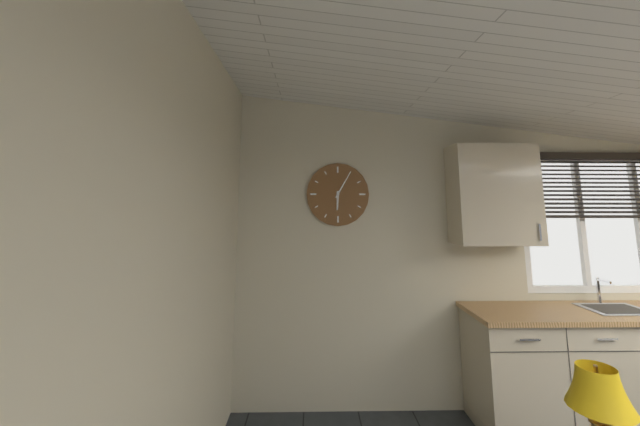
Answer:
**6:05**
